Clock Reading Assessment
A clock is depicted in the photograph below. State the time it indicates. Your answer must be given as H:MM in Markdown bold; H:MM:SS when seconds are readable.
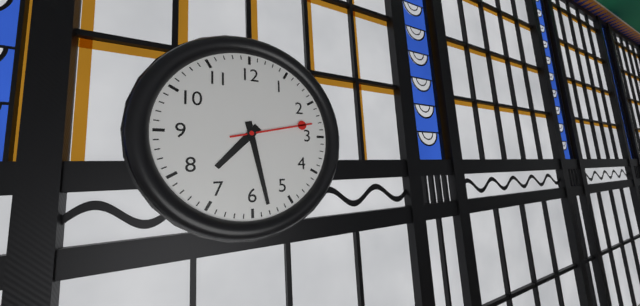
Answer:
**7:28:13**
